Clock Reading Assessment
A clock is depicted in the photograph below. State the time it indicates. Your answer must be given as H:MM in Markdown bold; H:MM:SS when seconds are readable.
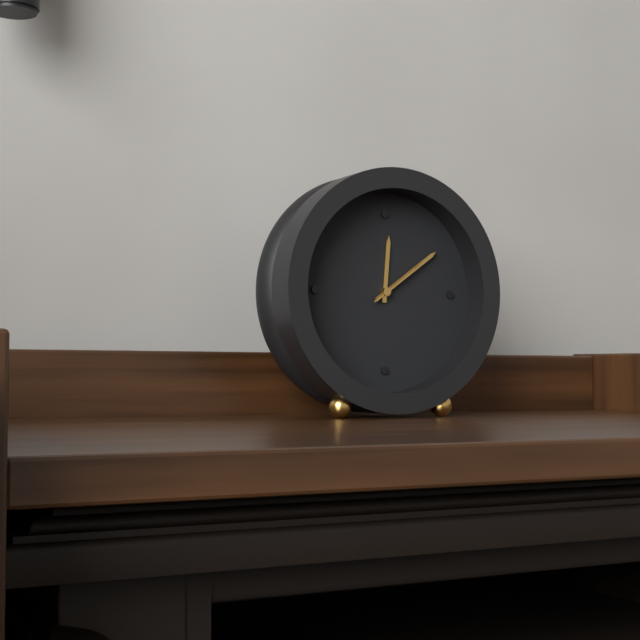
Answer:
**12:09:09**
